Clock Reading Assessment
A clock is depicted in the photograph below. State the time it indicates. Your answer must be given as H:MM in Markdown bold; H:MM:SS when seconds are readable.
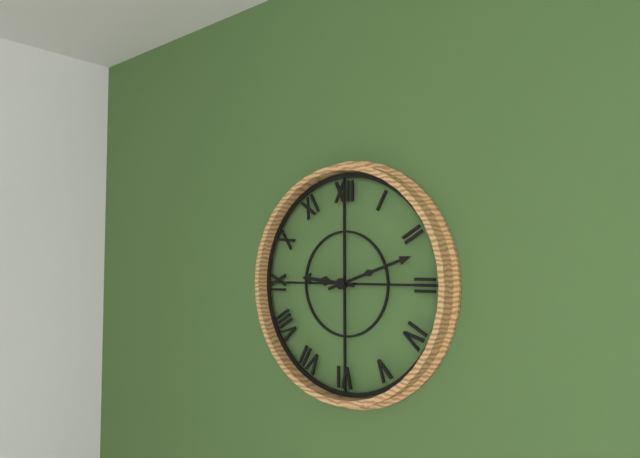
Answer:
**9:12**
